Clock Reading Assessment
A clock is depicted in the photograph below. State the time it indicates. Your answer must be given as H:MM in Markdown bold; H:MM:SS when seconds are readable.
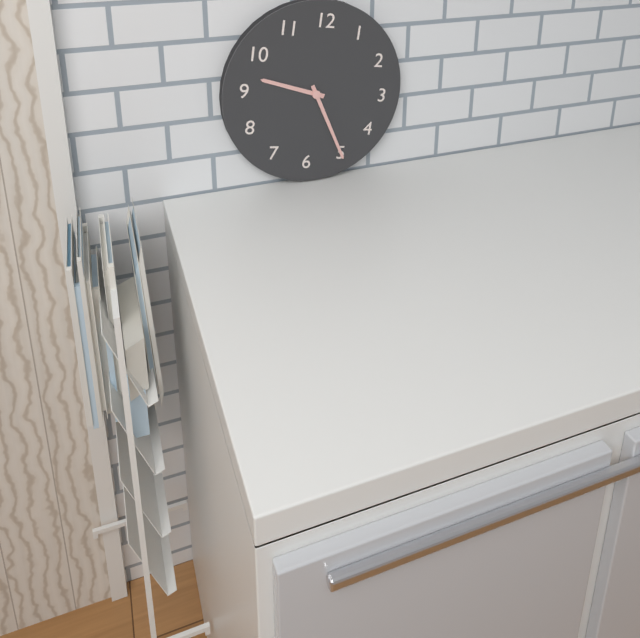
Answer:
**9:25**
